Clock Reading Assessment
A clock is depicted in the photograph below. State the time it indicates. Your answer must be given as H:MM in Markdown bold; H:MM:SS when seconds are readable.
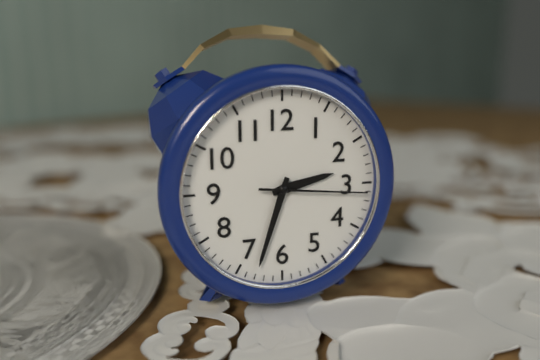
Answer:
**2:33:16**
